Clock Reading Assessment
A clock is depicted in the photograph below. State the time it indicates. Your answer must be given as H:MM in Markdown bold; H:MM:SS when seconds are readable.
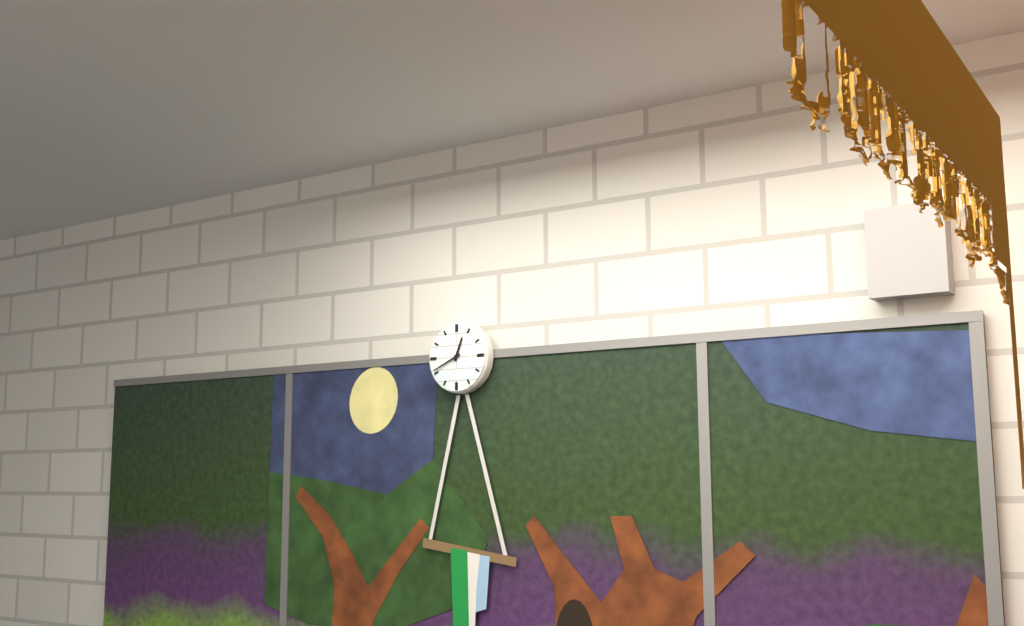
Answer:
**12:41**
